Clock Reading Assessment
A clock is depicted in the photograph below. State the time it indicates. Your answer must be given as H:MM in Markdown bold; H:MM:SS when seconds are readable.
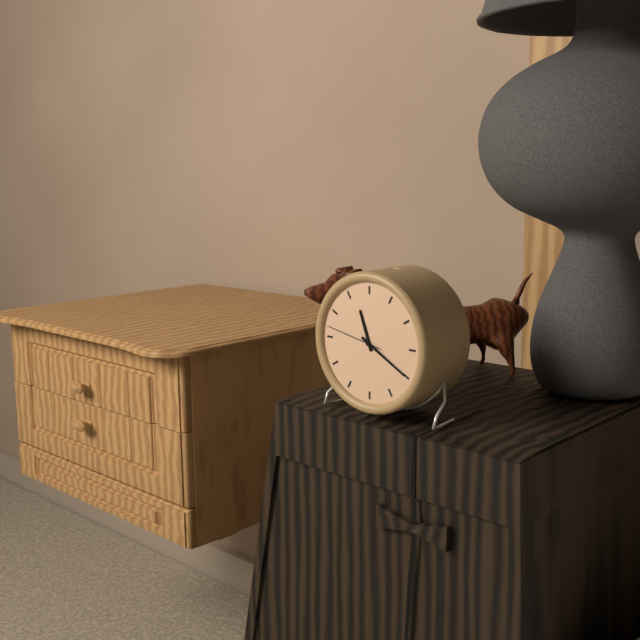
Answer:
**11:20:47**
